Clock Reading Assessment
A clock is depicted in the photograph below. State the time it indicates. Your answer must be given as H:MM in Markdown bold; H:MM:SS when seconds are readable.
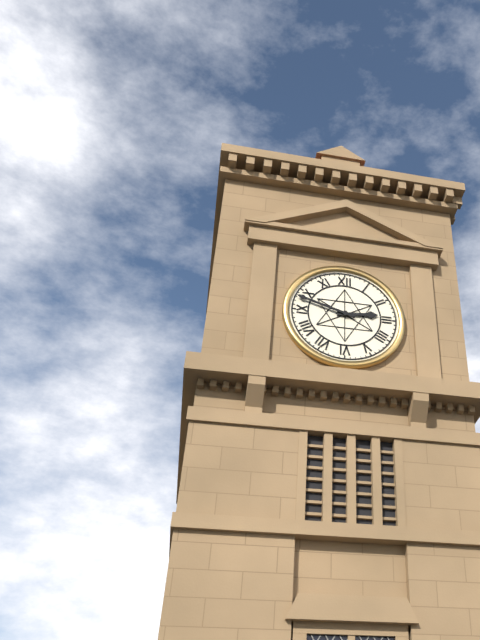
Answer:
**2:48**
